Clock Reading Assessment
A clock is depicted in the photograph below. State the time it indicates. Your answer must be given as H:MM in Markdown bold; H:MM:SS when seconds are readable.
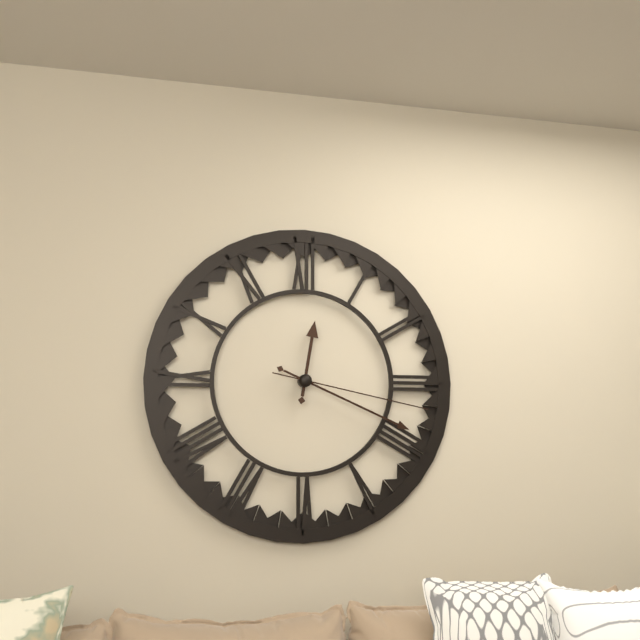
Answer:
**12:19:17**
